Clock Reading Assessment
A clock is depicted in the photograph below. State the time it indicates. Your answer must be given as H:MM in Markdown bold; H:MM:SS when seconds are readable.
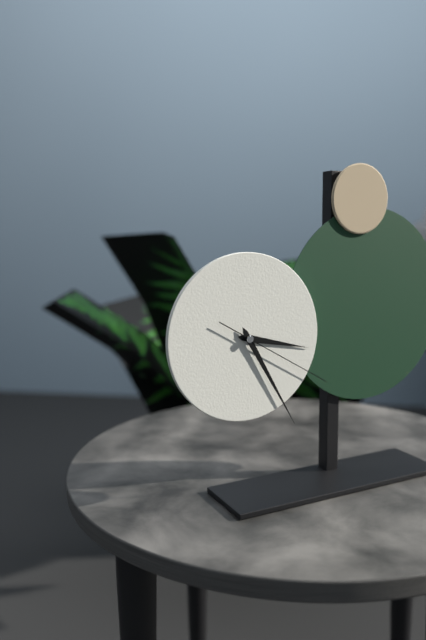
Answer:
**3:25:20**
